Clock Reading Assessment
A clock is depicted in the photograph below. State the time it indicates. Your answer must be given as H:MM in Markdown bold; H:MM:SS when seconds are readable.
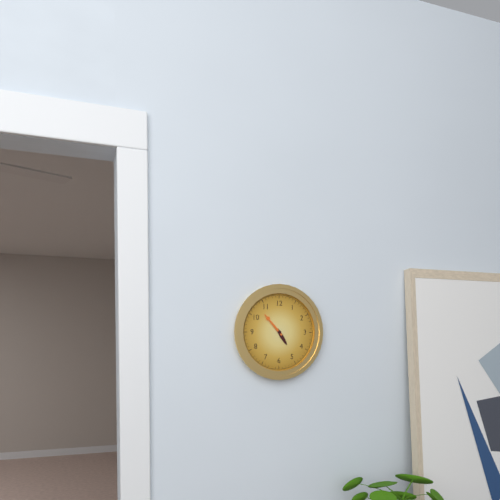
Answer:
**4:53**
